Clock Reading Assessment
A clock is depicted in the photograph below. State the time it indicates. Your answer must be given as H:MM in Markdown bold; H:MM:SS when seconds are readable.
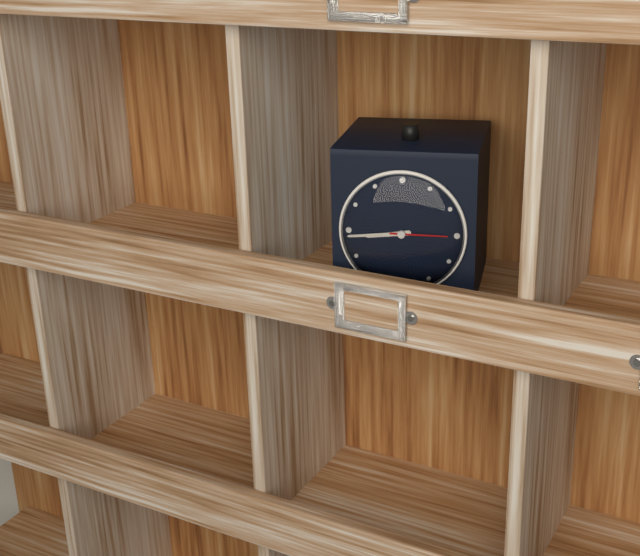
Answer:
**8:44:15**
